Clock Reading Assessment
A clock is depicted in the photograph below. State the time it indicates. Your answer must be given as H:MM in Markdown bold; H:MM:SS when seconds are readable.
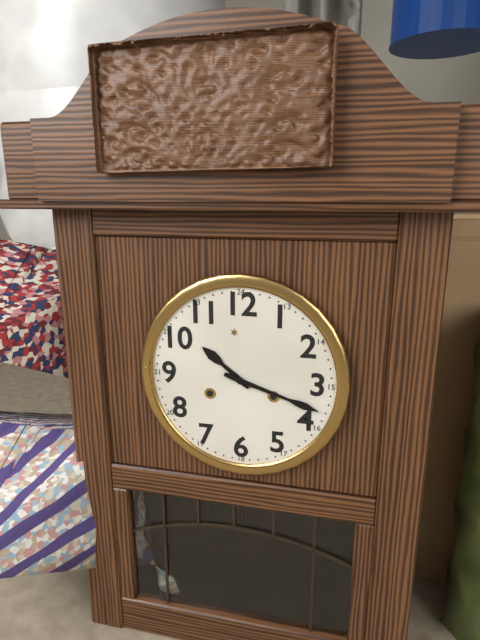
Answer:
**10:18**
